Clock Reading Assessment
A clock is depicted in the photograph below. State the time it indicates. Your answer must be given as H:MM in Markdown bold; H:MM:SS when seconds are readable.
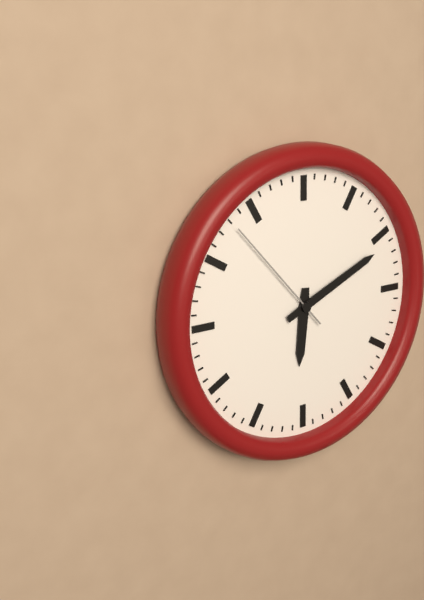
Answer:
**6:11:53**
